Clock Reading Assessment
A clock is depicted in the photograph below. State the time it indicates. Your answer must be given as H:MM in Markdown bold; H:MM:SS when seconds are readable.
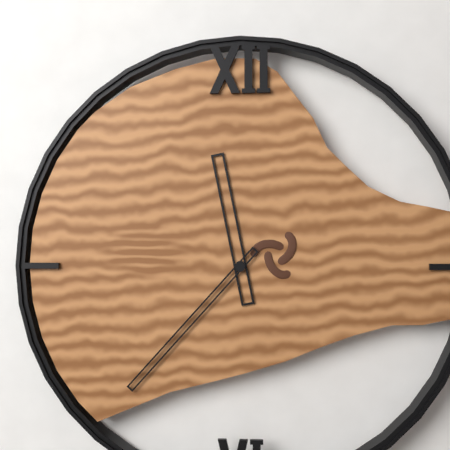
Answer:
**11:37**
